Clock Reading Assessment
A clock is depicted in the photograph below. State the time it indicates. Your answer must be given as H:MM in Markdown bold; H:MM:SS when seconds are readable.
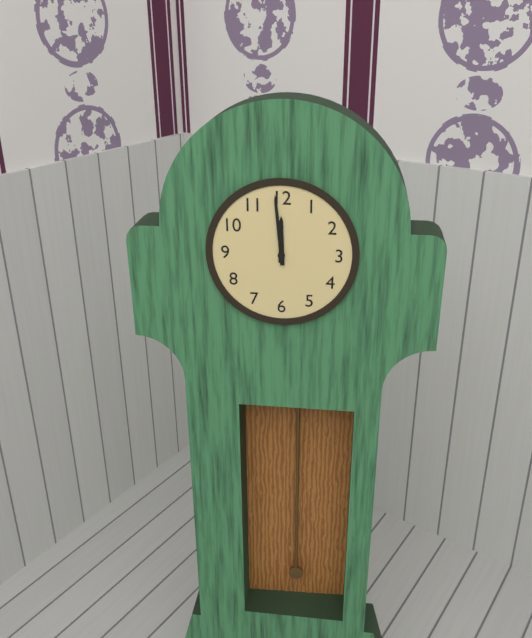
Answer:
**11:59**
